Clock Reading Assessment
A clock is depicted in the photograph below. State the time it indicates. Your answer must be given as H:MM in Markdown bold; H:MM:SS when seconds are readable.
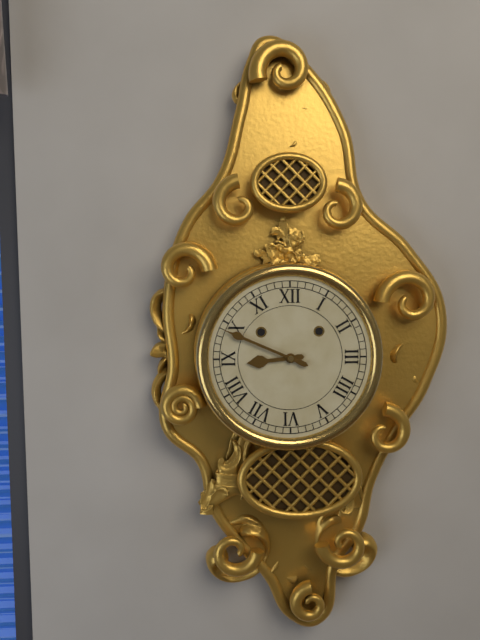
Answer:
**8:49**
